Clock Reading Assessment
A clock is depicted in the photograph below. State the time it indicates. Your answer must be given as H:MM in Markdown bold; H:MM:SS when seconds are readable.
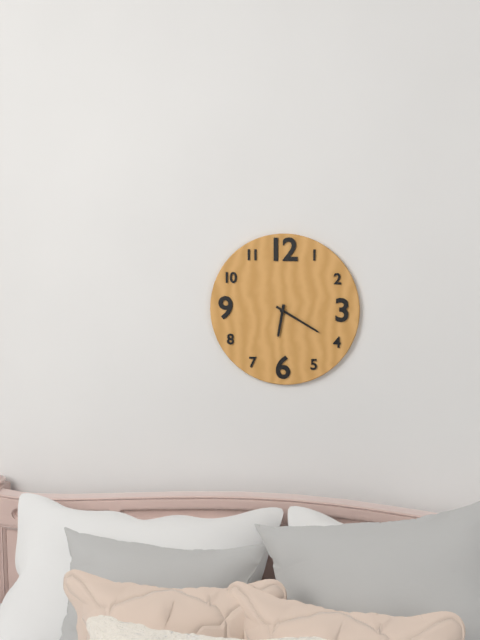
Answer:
**6:20**
